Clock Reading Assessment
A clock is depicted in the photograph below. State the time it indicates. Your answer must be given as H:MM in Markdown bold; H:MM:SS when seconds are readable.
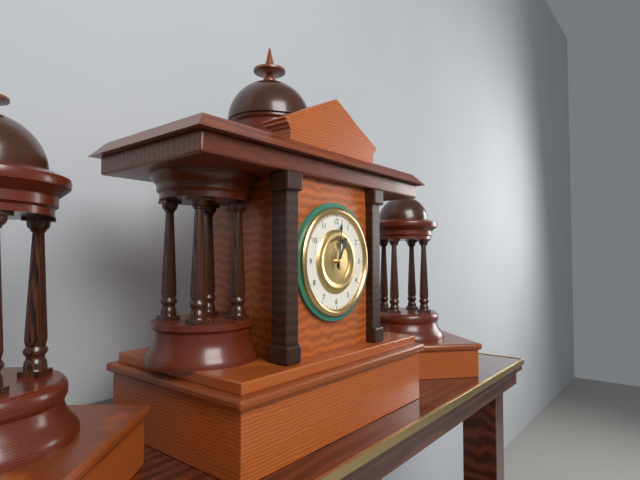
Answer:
**1:01**
